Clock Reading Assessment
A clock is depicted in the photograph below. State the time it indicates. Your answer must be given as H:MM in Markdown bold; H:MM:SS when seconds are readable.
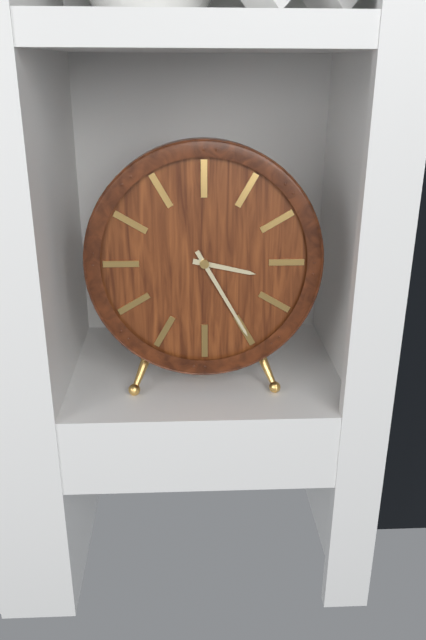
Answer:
**3:25**
